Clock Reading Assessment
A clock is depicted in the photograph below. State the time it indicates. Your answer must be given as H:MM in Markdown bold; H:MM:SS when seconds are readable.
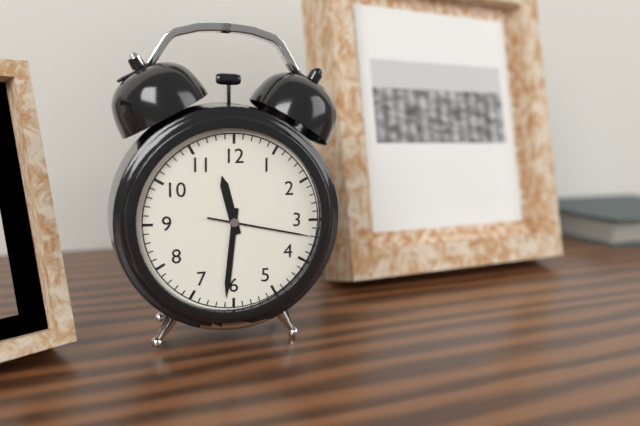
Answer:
**11:31:17**
